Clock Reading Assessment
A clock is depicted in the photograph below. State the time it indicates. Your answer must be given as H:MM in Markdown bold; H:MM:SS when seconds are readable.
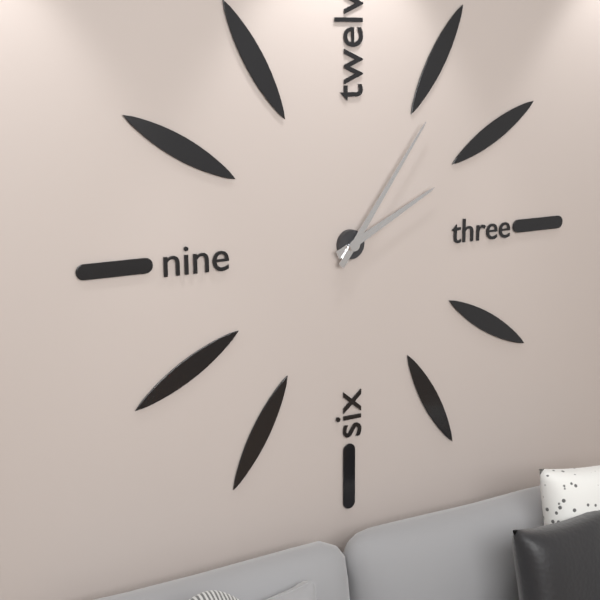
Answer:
**2:06**
